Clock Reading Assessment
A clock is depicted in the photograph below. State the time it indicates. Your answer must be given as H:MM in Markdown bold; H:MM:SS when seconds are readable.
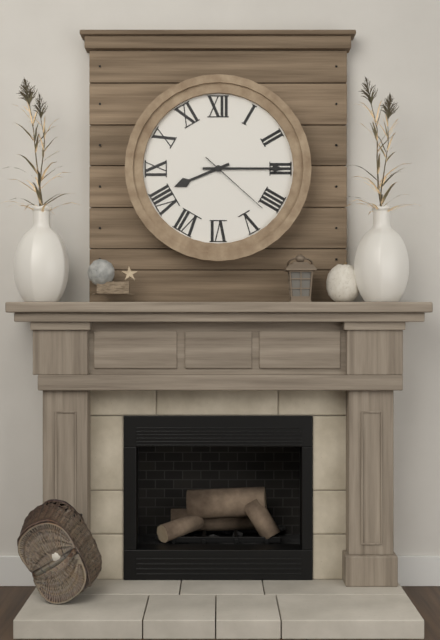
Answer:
**8:15:22**
